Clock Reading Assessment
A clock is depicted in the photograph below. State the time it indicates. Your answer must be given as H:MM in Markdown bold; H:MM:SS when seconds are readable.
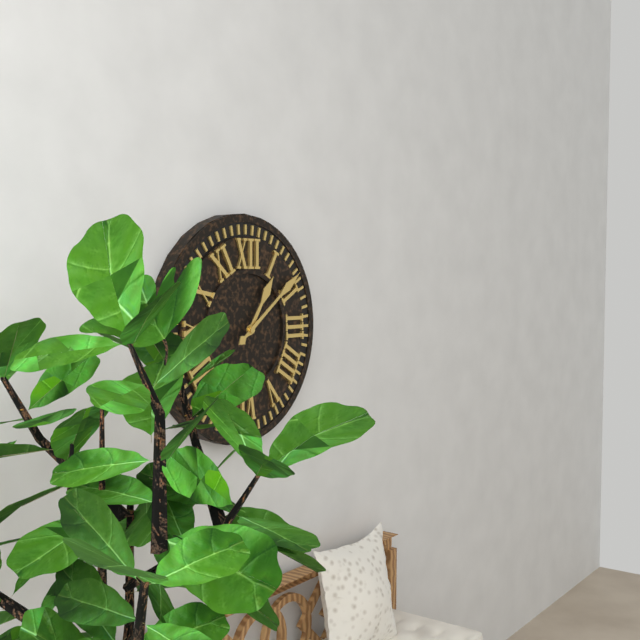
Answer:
**1:09**
